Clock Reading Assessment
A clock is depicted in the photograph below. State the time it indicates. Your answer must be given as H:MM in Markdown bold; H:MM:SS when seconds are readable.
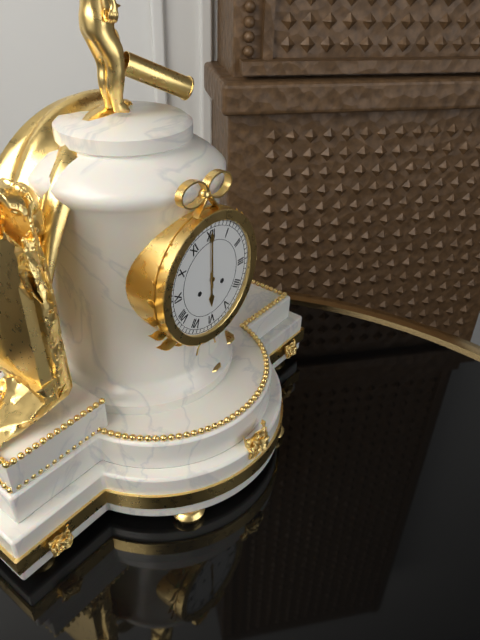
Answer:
**6:00**
